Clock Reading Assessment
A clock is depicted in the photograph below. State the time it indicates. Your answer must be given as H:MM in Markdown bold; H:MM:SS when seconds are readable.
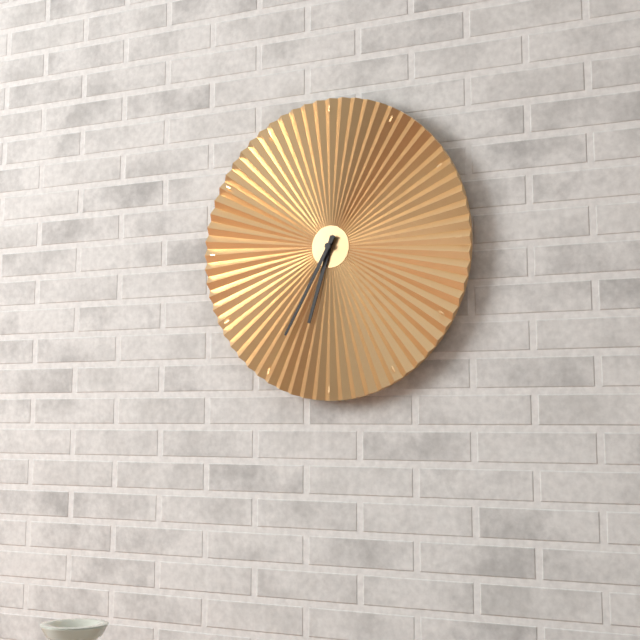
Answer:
**6:35**
